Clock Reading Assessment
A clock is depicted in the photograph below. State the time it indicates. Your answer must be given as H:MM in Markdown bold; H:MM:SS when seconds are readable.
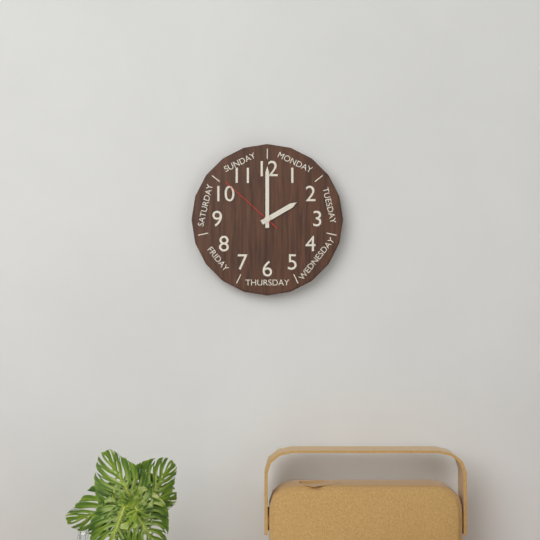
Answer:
**2:00:52**
